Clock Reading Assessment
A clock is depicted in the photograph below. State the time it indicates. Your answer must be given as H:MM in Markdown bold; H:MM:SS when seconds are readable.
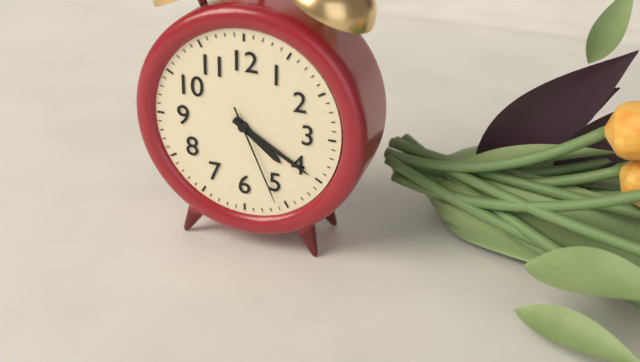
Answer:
**4:20:26**
